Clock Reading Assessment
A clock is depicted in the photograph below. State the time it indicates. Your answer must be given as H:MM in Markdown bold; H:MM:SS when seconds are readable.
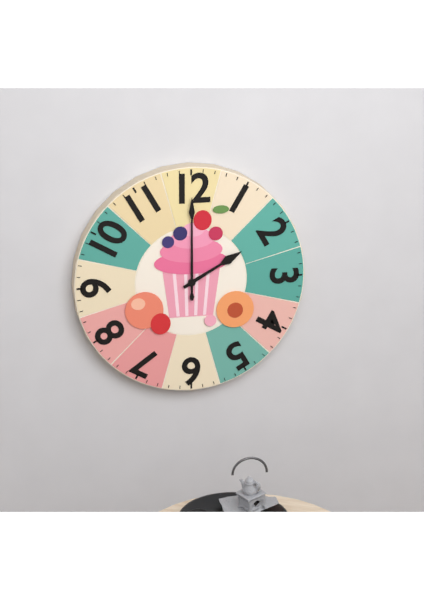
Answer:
**2:00**
